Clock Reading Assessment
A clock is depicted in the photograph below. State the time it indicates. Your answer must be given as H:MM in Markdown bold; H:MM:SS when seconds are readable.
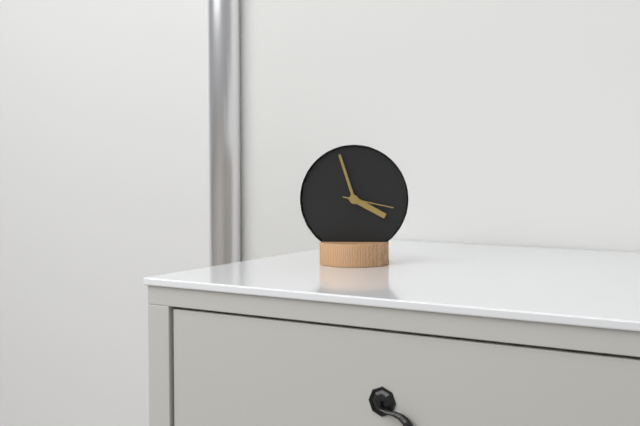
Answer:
**3:57:17**
